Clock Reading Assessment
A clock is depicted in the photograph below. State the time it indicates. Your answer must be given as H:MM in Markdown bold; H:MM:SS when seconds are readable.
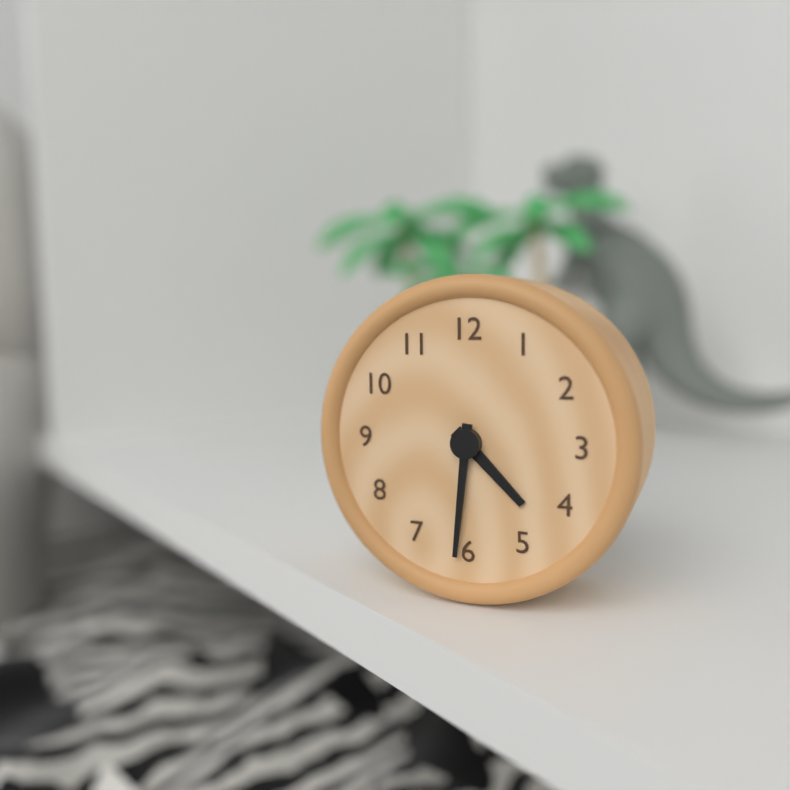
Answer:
**4:31**
